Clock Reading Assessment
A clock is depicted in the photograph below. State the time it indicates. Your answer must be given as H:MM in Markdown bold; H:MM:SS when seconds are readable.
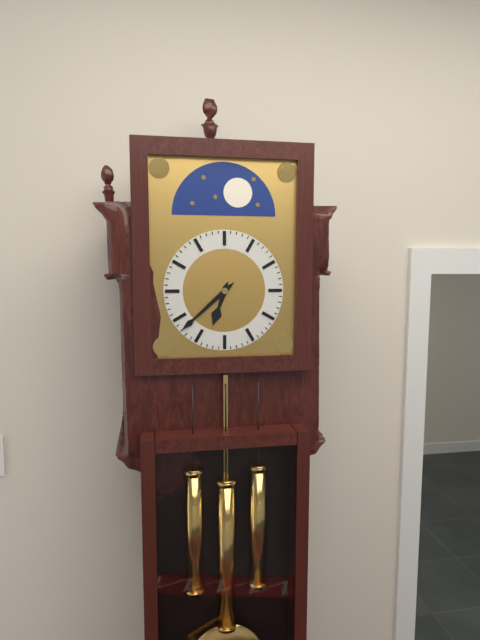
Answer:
**6:38**
